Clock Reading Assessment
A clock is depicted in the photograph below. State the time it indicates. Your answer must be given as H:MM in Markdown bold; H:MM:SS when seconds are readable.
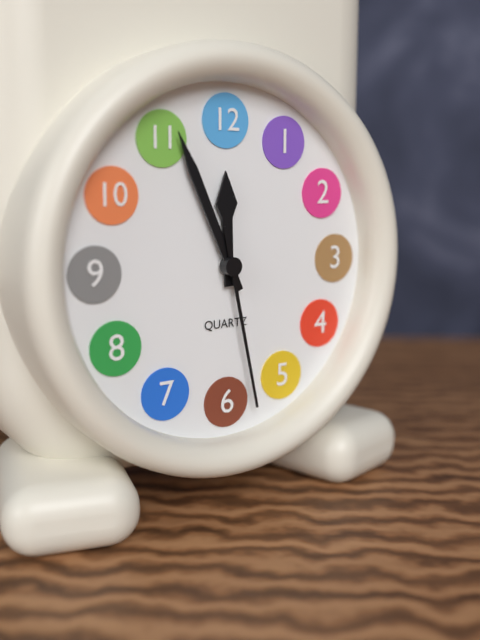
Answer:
**11:56:28**
